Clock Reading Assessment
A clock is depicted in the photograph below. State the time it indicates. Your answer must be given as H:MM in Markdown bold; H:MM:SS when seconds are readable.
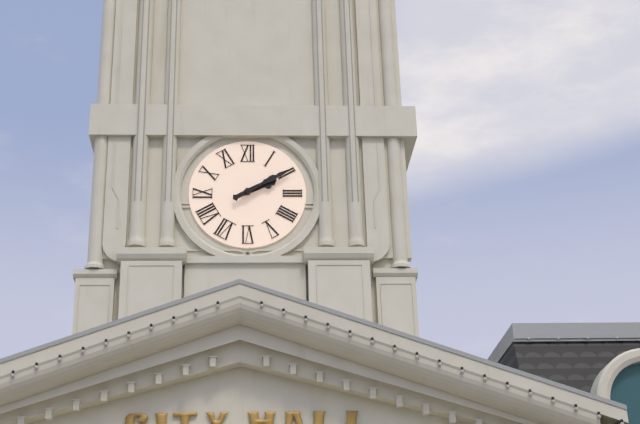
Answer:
**2:10**
